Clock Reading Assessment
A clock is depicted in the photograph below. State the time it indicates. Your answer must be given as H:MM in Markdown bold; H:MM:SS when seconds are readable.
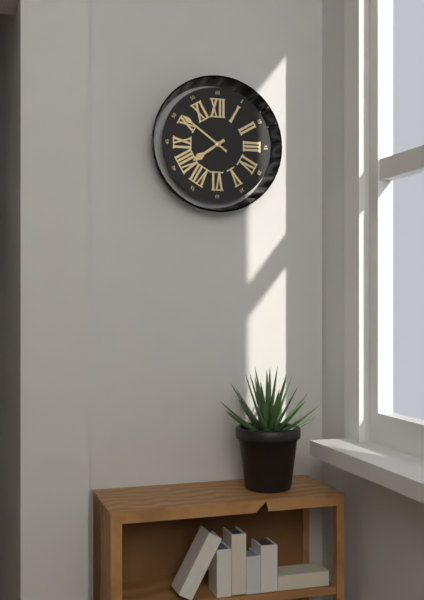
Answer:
**7:51**
